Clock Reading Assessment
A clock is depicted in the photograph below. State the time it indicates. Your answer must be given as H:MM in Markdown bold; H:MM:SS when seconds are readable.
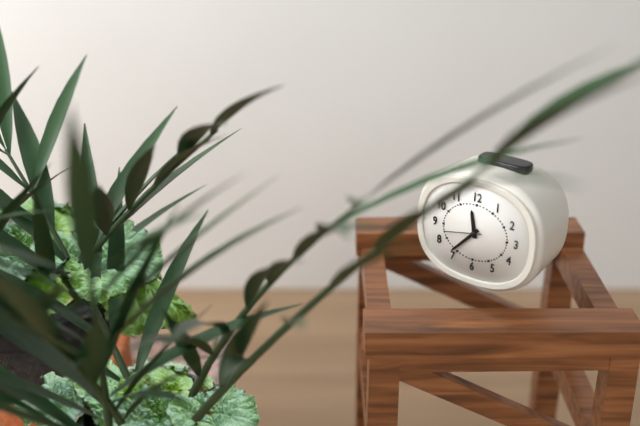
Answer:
**11:37**
